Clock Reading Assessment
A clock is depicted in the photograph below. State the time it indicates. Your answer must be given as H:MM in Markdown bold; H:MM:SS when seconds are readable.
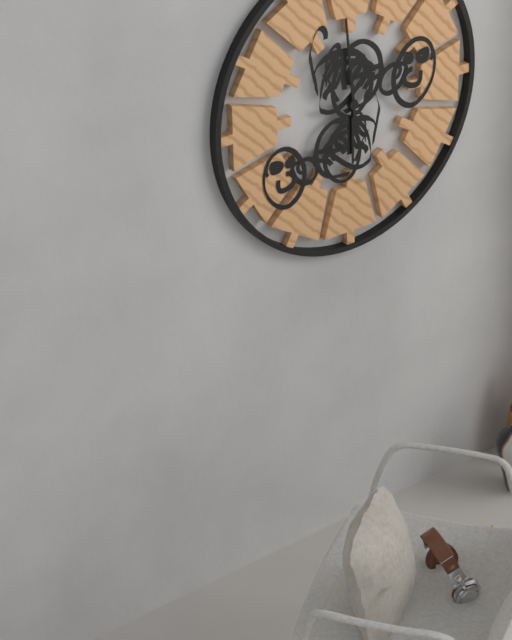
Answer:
**5:59**
